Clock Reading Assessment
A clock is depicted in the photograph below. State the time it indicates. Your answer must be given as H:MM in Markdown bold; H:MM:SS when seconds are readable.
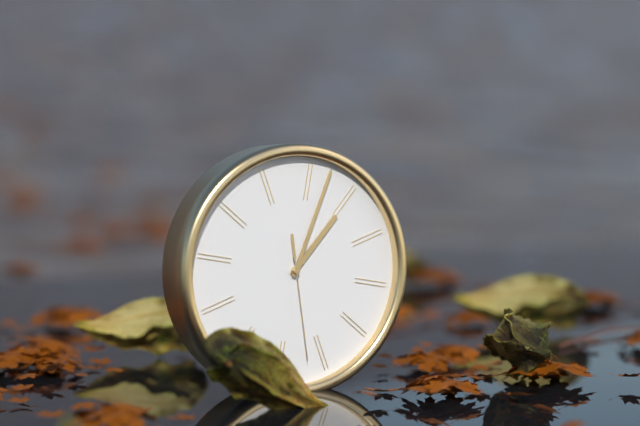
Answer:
**1:02:27**
